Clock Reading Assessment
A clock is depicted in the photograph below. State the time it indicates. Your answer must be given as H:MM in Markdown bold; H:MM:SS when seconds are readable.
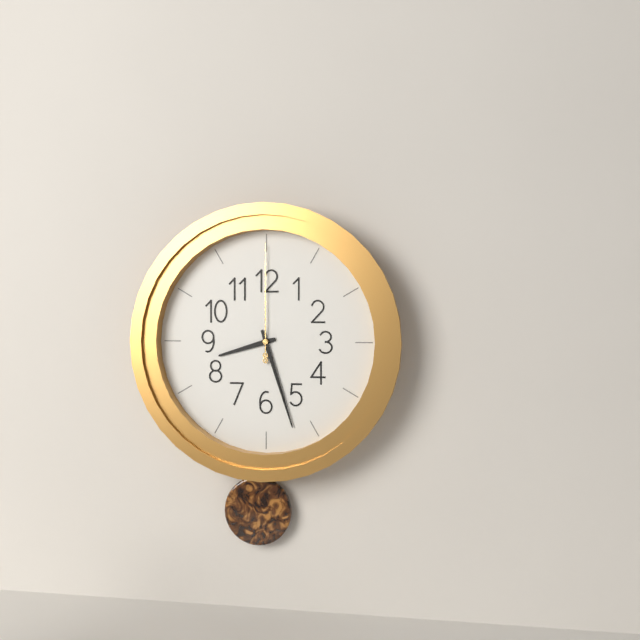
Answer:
**8:27:00**
